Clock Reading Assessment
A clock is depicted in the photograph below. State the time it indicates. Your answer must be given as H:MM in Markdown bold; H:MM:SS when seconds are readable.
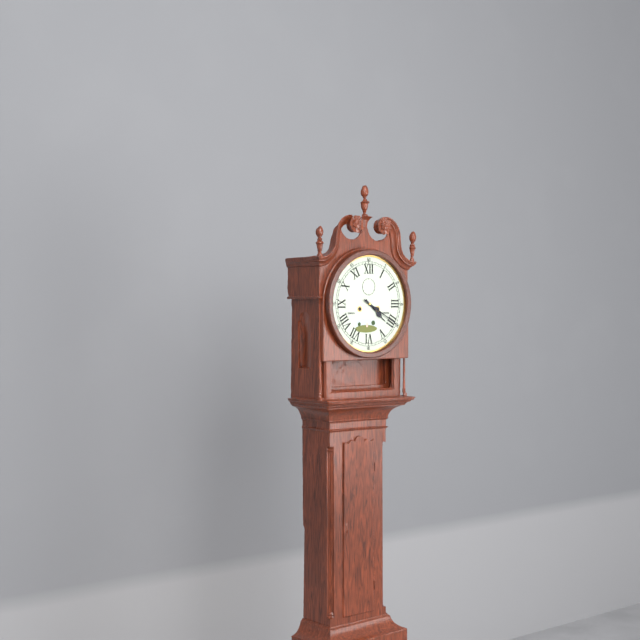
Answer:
**4:20**
